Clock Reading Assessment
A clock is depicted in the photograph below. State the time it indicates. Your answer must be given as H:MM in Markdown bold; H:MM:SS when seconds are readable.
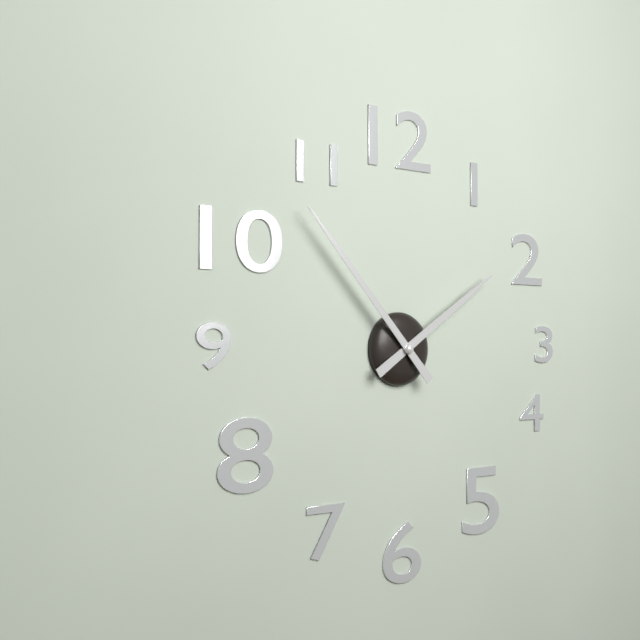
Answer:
**1:53**
